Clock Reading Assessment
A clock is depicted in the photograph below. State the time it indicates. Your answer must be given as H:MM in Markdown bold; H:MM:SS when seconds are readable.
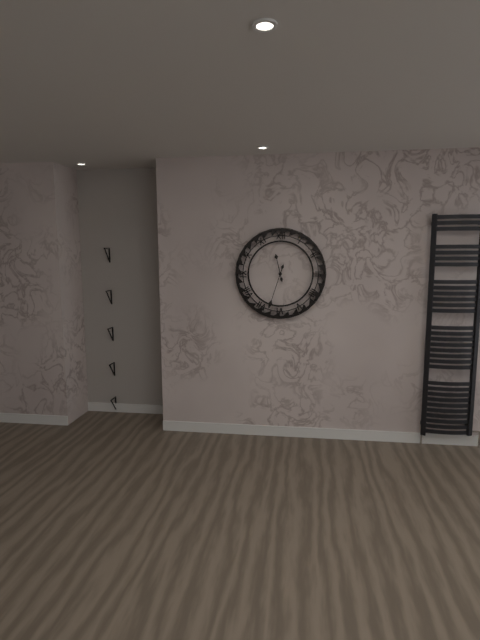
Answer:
**11:33**
